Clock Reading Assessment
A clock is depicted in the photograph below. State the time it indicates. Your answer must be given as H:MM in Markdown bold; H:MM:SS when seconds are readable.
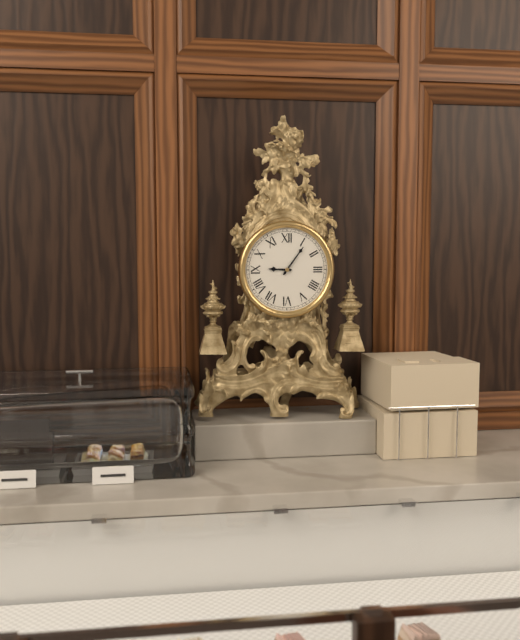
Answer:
**9:06**
